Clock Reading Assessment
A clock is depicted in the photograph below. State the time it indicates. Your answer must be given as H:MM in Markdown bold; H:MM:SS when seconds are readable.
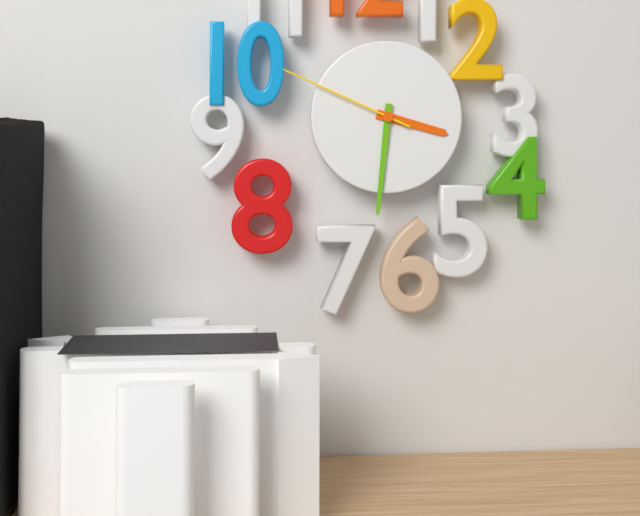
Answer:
**3:31:49**
